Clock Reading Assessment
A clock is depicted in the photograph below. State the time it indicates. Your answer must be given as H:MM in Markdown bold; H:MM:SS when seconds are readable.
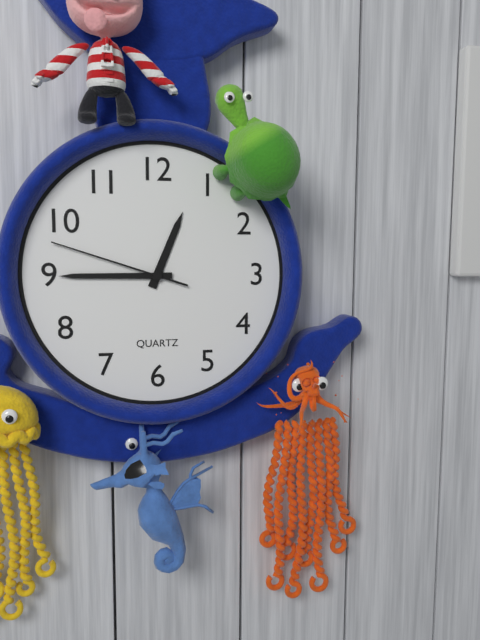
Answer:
**12:45:48**
